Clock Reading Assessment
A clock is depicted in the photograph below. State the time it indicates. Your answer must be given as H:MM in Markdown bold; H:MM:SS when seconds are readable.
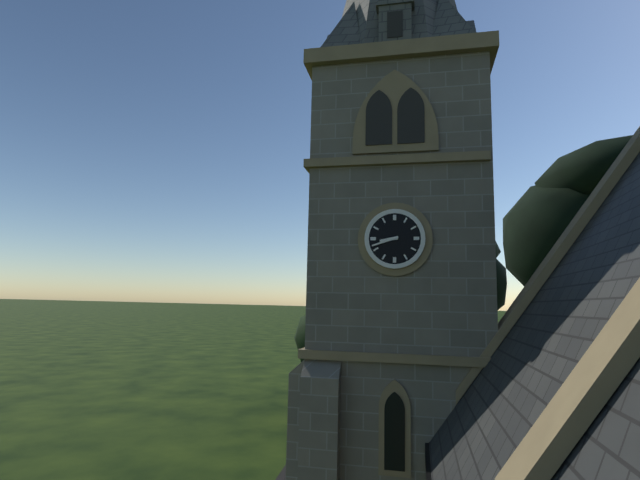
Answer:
**8:42**
